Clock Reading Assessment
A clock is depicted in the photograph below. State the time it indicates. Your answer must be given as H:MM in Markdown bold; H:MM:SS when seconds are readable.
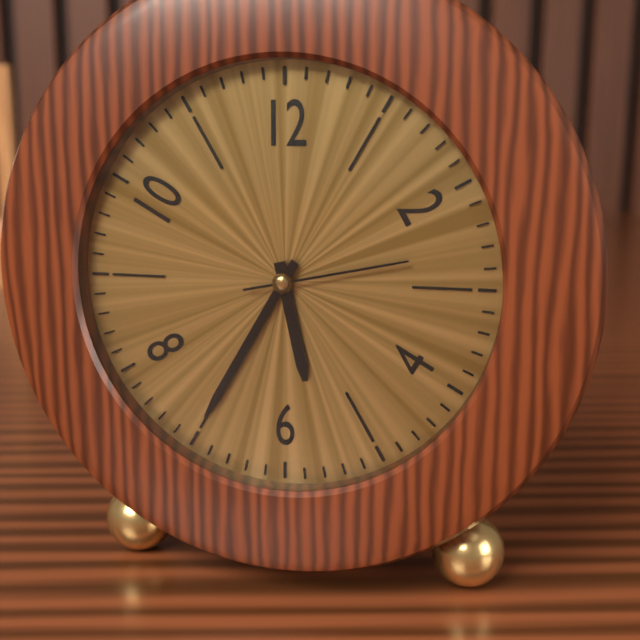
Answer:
**5:35:13**
